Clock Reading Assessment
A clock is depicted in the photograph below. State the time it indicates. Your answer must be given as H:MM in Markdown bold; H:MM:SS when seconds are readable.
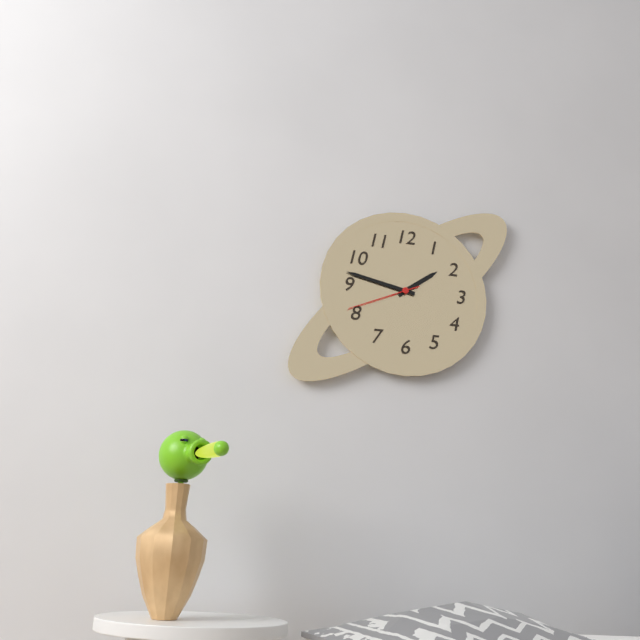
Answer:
**1:47:41**
